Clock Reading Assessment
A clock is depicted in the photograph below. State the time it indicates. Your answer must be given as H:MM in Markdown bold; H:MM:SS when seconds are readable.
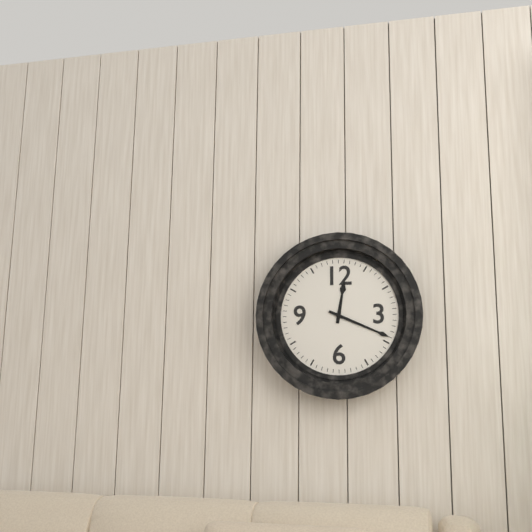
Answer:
**12:19**
